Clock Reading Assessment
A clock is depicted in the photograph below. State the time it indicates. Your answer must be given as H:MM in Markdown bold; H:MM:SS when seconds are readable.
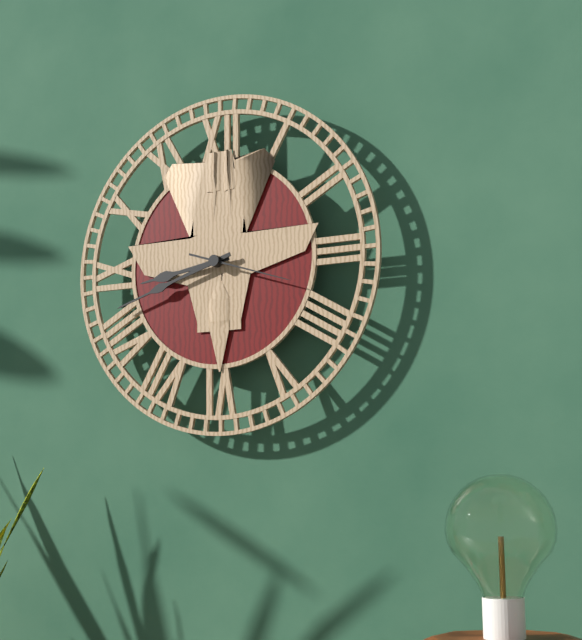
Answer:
**8:42:18**
